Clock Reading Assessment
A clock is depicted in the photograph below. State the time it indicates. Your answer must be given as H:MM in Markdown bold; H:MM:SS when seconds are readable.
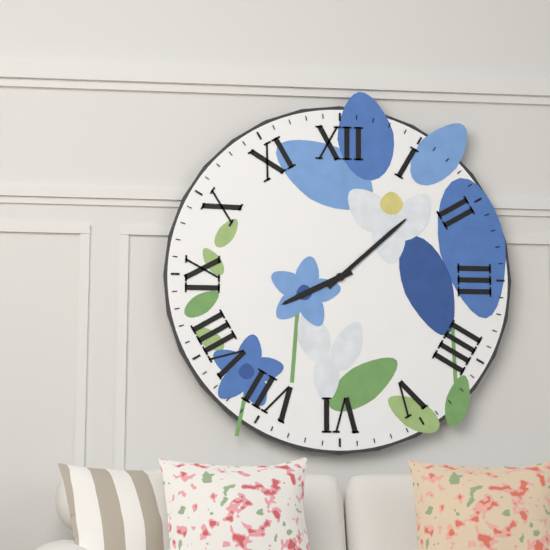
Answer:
**8:08**
